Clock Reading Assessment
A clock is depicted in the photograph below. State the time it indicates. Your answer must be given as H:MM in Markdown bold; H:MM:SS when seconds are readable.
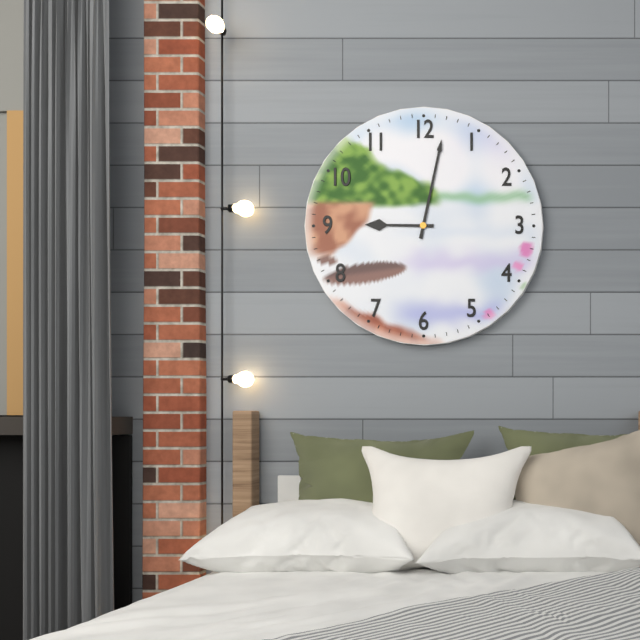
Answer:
**9:02**
